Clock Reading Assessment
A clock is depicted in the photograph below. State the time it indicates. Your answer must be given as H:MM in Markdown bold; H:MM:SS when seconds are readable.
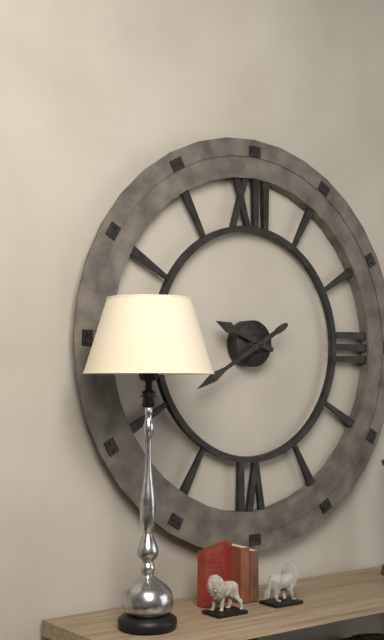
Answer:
**9:40**
